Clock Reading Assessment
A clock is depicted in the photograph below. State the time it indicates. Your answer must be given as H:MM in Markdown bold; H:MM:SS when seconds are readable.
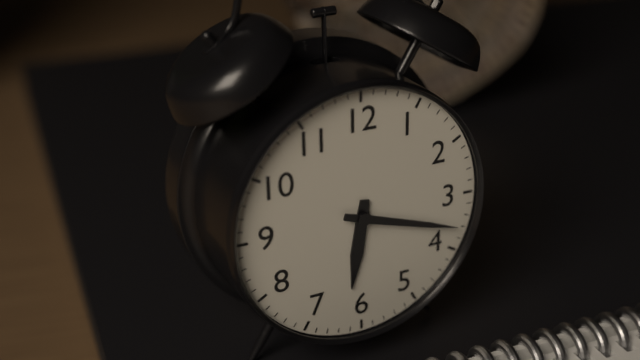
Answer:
**6:18**
